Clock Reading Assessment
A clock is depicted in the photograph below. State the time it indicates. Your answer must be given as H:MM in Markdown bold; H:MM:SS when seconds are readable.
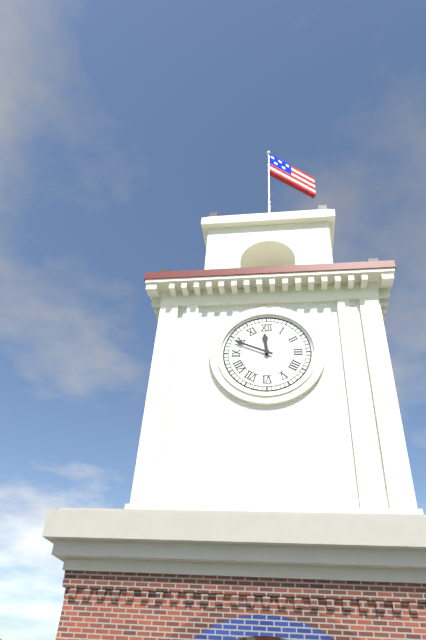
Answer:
**11:49**
